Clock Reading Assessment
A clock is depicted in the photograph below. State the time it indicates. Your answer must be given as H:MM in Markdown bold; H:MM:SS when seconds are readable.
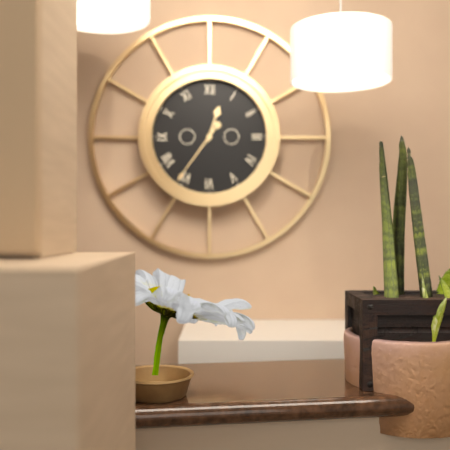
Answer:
**12:36**
